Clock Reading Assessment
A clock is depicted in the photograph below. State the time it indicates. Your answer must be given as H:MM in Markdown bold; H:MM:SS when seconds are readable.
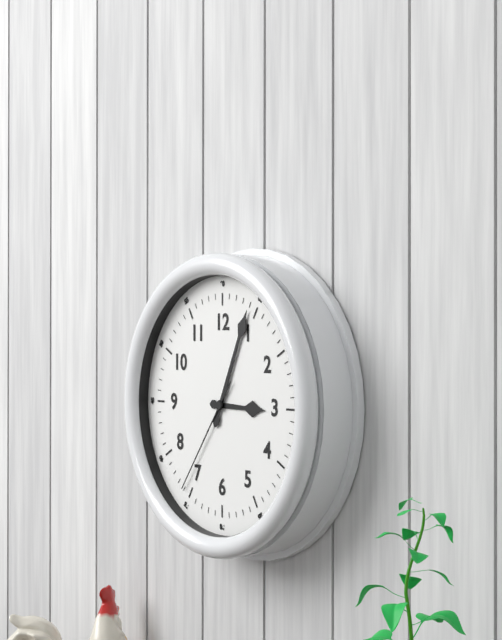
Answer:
**3:04:36**
